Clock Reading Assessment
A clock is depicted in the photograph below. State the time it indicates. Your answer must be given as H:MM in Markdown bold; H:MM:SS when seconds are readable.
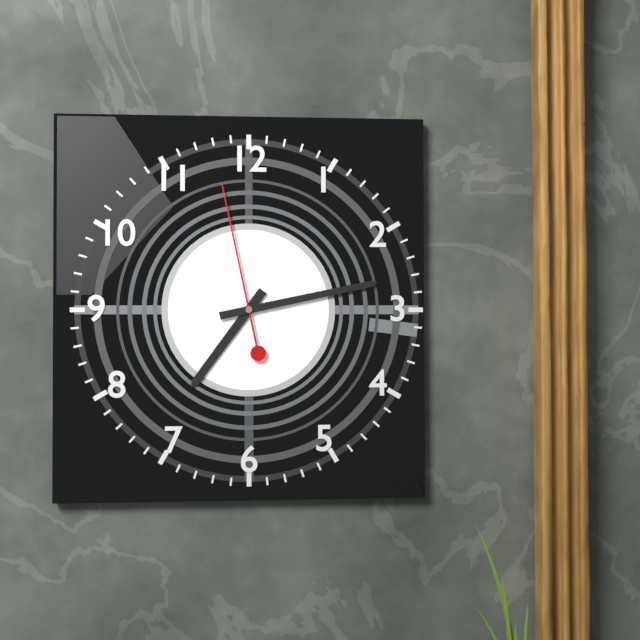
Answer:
**7:13:58**
